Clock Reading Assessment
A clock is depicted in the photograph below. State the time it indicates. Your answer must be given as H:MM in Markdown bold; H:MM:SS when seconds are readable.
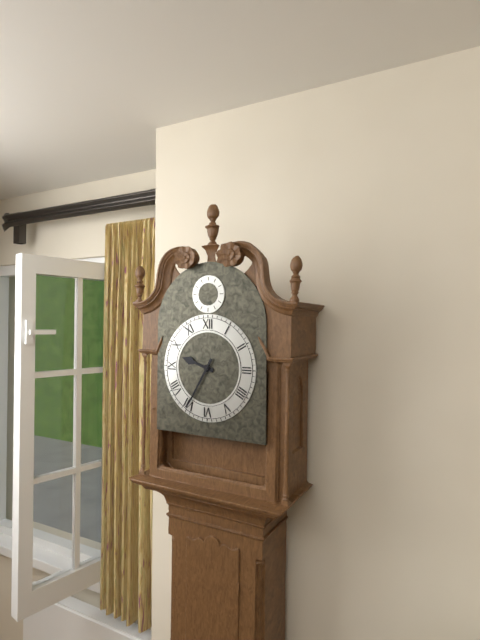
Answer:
**9:35**
